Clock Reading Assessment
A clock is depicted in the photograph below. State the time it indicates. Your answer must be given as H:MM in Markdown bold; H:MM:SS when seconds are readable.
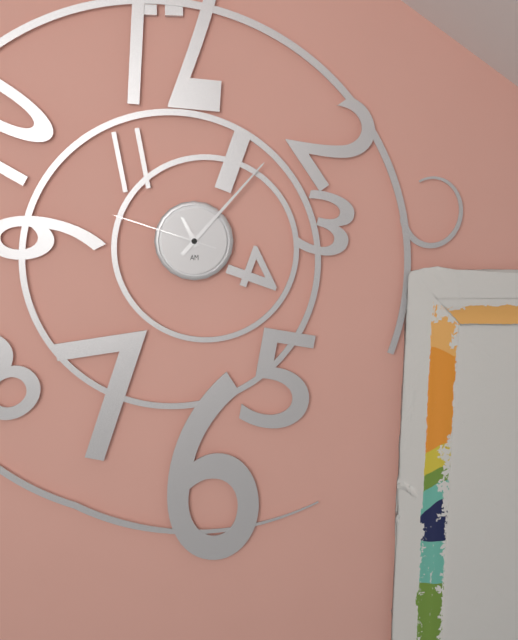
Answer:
**11:07:48**
